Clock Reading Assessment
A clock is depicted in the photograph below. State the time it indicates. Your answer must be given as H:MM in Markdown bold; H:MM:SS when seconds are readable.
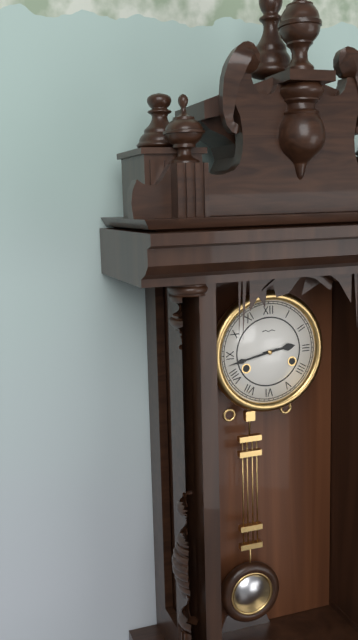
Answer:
**2:43**
